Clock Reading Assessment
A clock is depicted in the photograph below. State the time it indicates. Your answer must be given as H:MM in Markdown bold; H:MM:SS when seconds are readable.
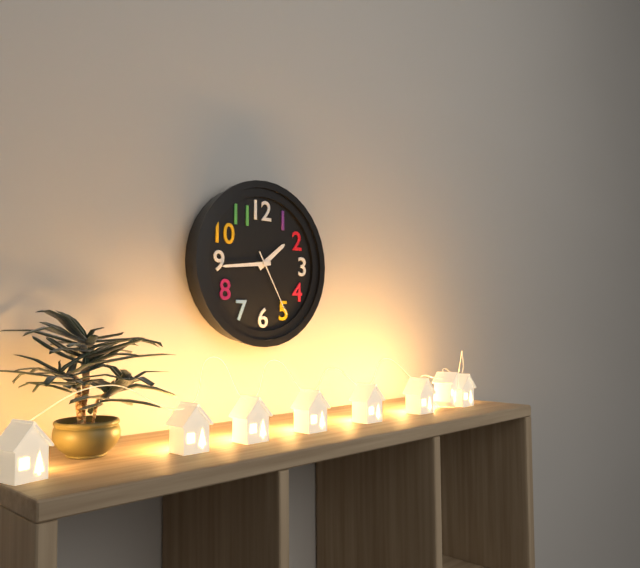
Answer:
**1:44:25**
